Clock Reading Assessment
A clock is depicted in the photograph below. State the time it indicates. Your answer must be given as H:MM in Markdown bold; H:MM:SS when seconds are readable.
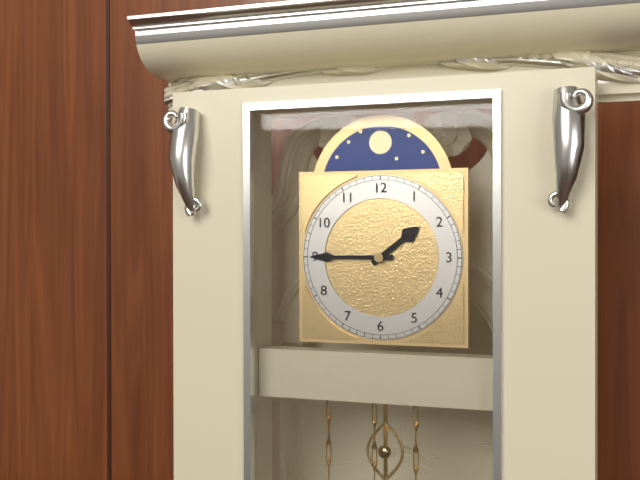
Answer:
**1:45**
